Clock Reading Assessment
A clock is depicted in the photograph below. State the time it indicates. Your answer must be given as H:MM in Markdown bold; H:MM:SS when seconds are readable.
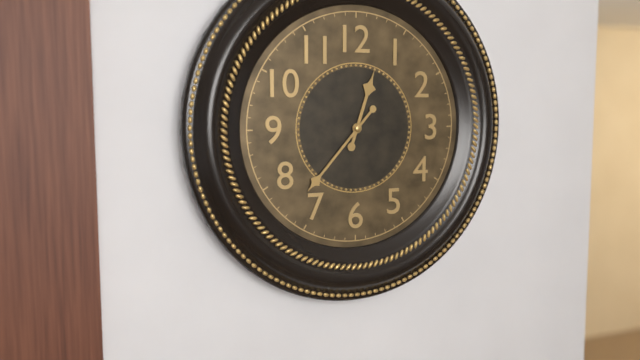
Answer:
**12:37**
